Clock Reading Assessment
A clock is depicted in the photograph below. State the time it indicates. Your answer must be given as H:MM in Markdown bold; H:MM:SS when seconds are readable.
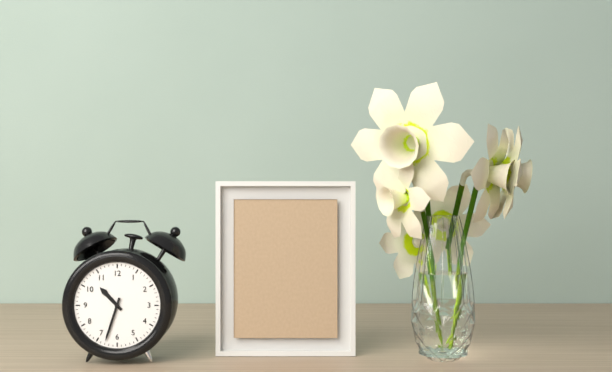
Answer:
**10:33**
